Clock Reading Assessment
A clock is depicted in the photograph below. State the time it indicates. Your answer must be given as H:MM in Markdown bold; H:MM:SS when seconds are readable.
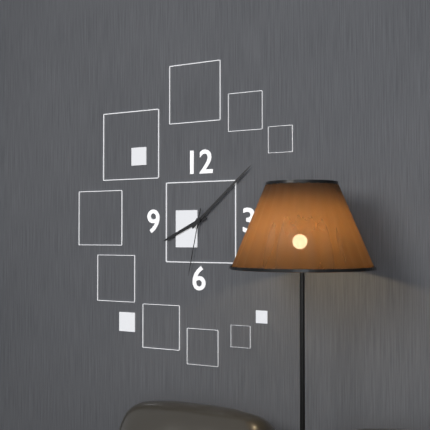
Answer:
**8:08:32**
